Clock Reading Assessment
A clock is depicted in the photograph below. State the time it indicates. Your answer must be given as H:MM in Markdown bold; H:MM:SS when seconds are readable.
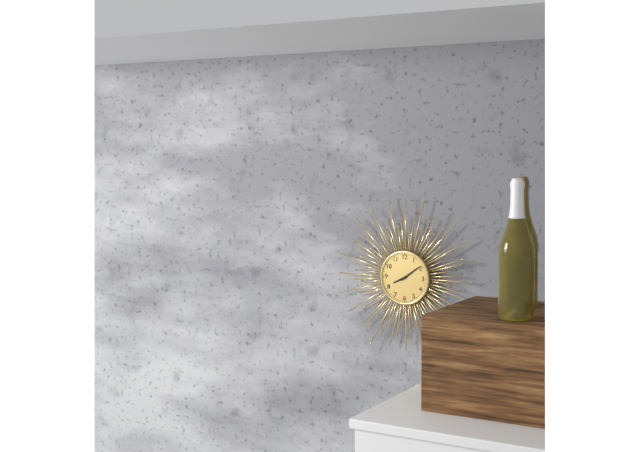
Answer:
**8:09**
